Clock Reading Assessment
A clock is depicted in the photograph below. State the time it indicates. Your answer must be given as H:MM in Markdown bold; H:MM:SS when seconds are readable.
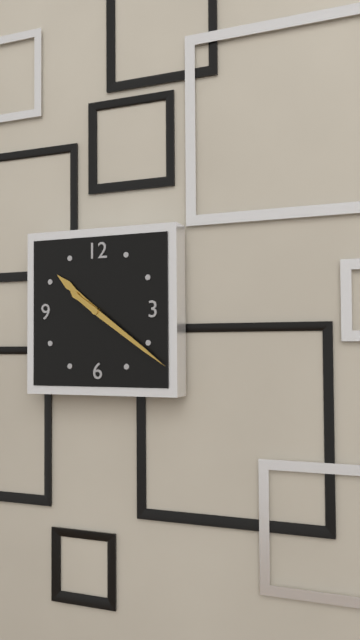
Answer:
**10:21**
